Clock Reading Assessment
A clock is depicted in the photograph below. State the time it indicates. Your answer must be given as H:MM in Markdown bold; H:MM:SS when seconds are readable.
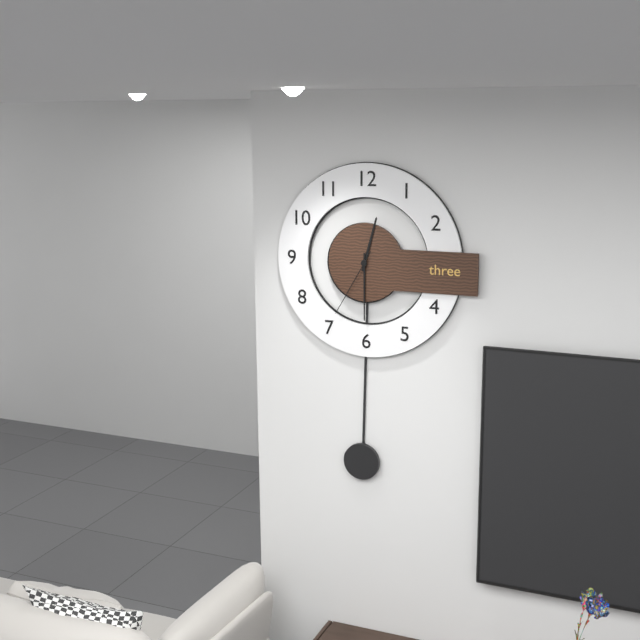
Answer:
**12:30:35**
